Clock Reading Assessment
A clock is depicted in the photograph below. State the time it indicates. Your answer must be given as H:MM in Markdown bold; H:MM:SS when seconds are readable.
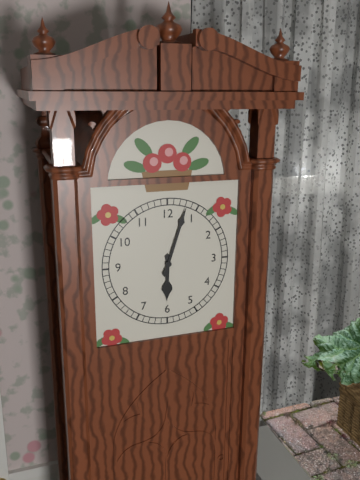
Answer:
**6:03**
